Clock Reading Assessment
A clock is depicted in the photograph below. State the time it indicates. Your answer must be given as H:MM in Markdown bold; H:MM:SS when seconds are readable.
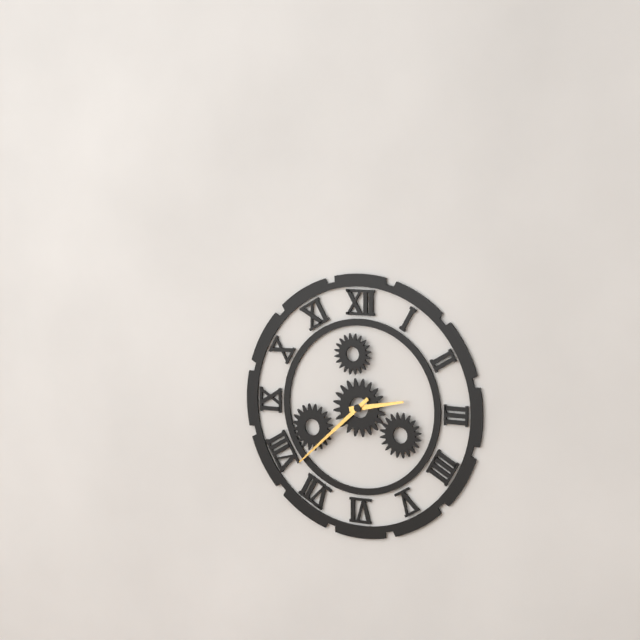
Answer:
**2:38**
